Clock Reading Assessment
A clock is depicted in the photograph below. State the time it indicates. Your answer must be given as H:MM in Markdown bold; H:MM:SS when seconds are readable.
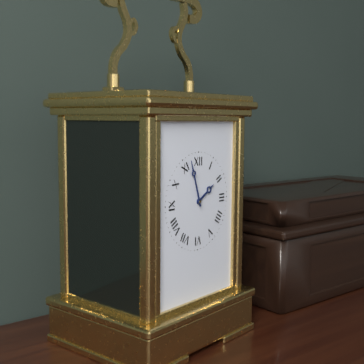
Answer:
**1:57**
